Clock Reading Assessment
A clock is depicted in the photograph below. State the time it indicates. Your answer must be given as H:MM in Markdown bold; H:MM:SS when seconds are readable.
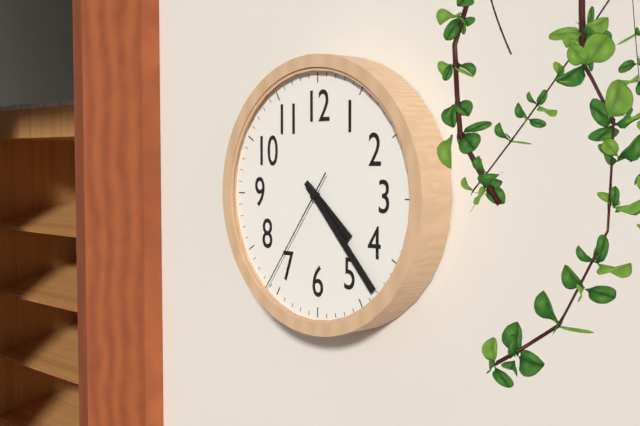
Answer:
**4:23:36**
